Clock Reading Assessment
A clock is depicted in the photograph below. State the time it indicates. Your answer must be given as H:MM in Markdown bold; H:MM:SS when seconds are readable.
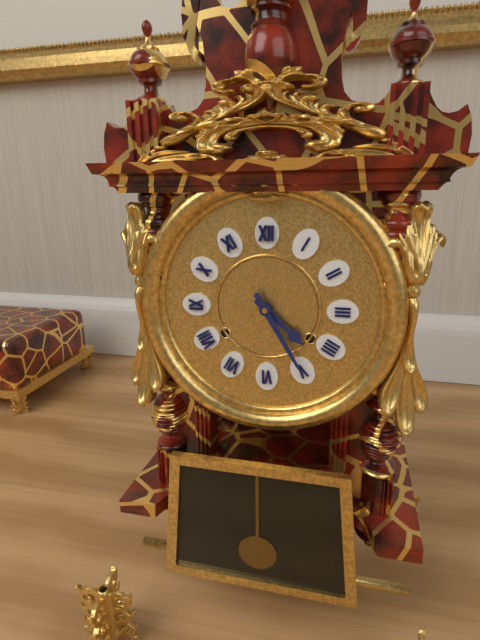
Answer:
**4:25**
